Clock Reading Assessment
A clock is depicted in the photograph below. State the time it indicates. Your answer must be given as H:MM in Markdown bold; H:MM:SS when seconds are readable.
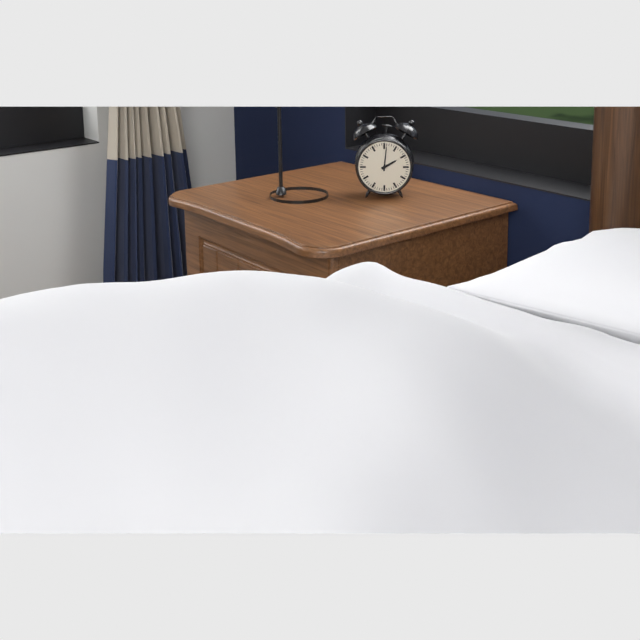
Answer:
**2:01**
